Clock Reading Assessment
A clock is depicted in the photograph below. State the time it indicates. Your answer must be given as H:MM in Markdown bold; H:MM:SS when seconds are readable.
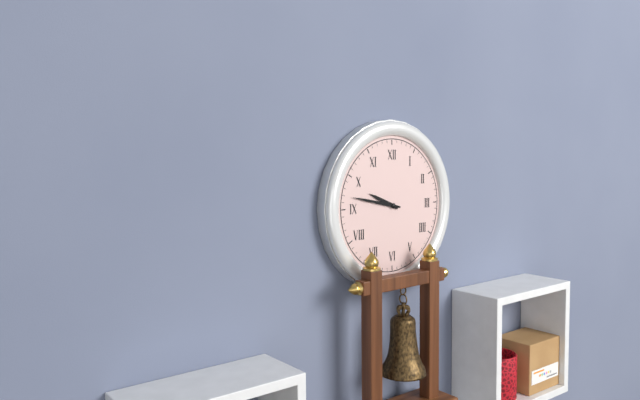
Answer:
**9:47**
